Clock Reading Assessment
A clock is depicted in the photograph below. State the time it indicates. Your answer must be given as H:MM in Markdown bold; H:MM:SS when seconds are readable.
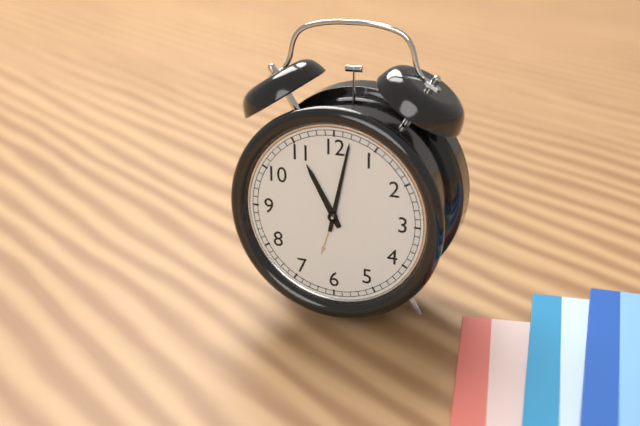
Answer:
**11:02**
